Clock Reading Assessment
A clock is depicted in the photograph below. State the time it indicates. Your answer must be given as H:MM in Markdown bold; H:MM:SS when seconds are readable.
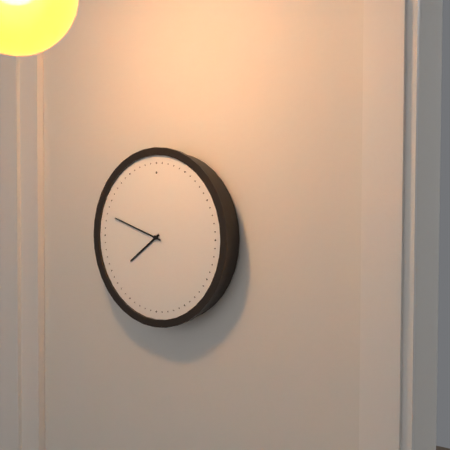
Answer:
**7:48**
